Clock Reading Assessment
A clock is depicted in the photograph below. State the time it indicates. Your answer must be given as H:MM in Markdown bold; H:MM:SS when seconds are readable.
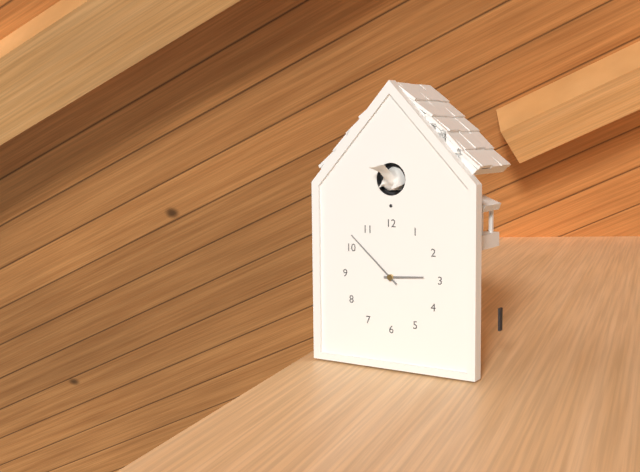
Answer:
**2:52**
